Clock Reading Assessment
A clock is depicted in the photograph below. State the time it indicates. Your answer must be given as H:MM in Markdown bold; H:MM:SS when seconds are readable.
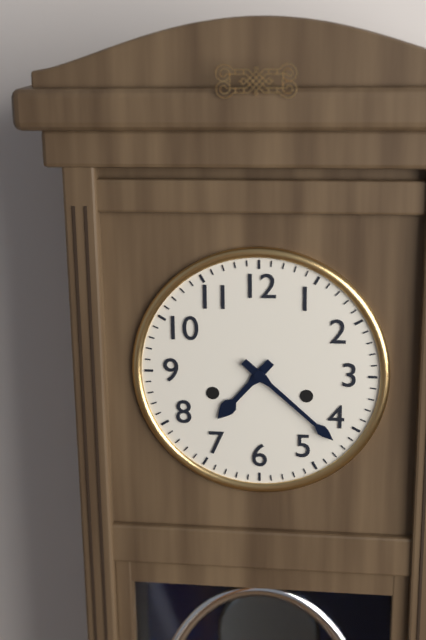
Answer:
**7:22**
